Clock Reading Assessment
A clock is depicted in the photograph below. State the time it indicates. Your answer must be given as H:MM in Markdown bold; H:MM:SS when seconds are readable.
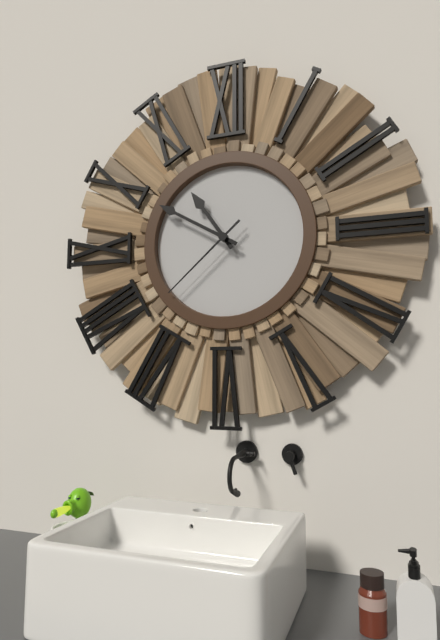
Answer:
**10:50:38**
